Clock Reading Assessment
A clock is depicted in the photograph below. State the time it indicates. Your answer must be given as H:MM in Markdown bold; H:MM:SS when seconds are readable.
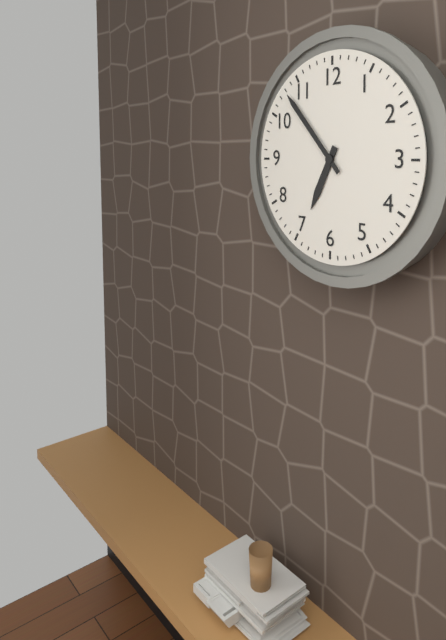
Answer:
**6:53**
